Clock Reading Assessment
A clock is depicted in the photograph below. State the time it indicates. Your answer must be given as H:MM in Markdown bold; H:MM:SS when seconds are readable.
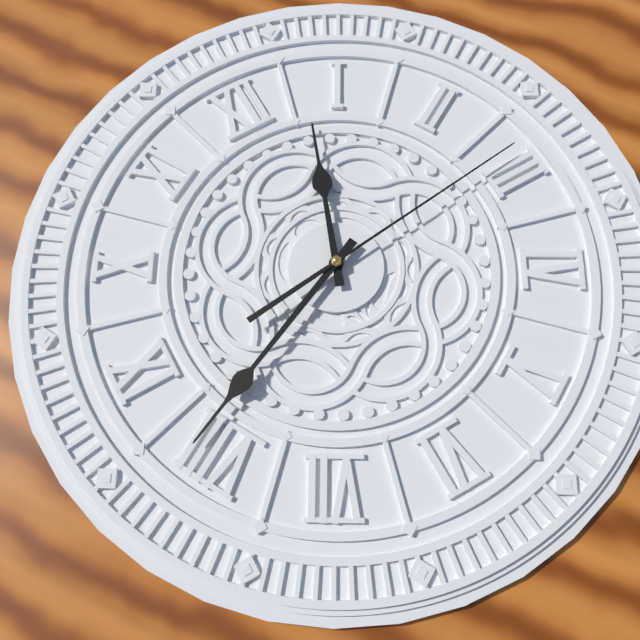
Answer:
**12:41:14**
